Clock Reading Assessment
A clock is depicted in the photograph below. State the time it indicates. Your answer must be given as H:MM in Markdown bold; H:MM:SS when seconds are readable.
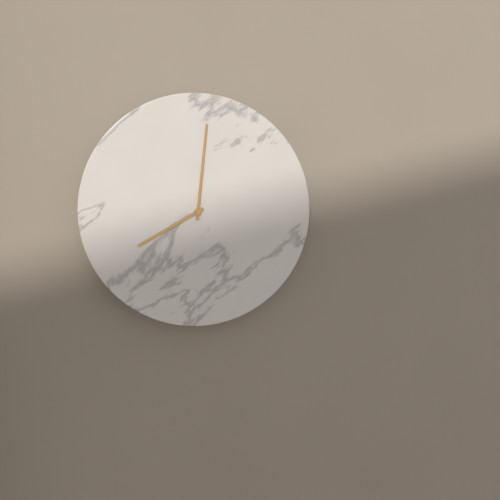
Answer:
**8:01**
